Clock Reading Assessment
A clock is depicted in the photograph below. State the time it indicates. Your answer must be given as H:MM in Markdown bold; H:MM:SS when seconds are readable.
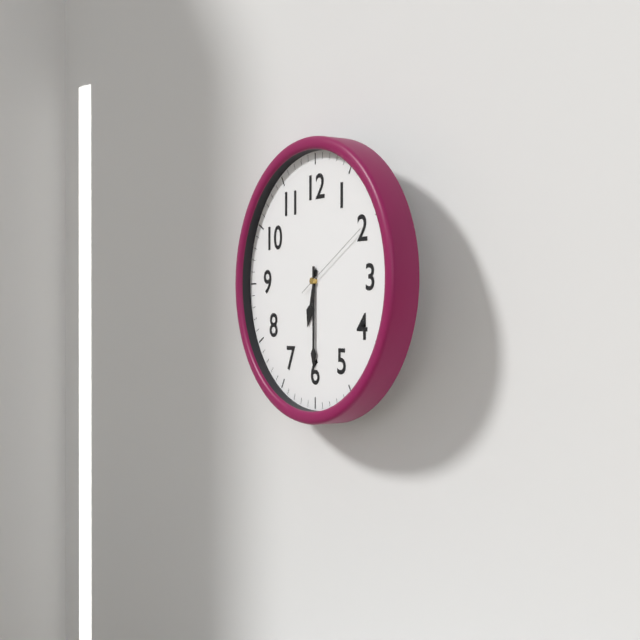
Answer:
**6:30:10**
